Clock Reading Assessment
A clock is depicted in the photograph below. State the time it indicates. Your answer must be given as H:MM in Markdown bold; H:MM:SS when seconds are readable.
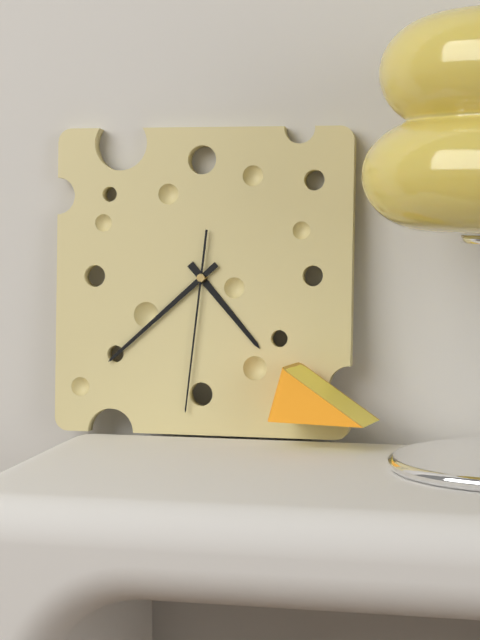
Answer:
**4:38:31**
